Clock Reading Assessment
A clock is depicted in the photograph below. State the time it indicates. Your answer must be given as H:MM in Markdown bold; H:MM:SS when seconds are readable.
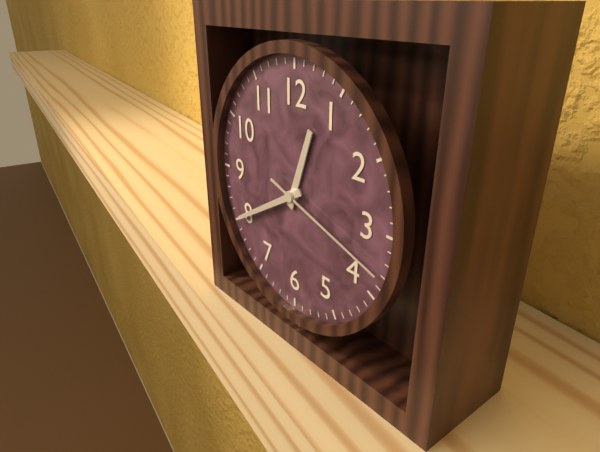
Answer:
**12:40:18**
